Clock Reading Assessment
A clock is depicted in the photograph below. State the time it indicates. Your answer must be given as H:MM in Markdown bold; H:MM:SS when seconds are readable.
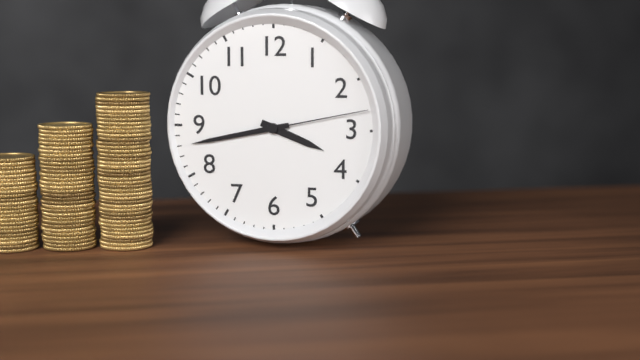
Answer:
**3:43:13**
